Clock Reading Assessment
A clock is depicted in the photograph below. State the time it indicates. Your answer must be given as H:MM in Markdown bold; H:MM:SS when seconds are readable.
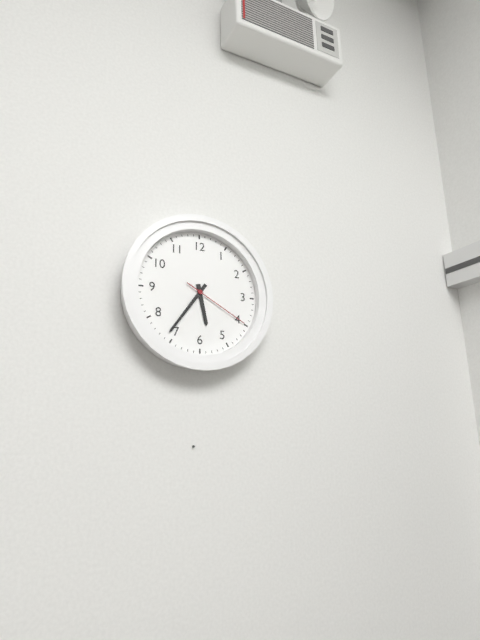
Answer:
**5:36:20**
